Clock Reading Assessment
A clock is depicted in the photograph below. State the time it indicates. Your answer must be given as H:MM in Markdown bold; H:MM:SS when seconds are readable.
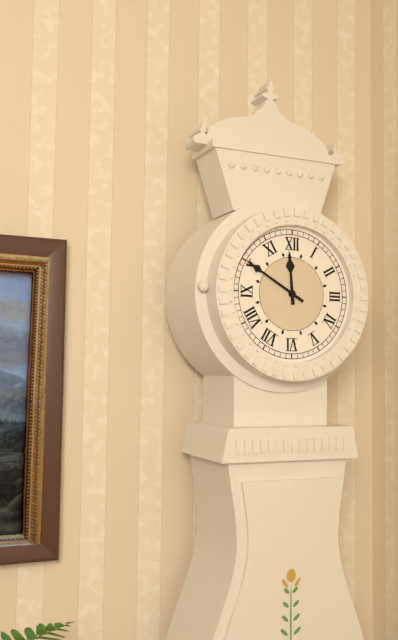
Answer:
**11:50**
